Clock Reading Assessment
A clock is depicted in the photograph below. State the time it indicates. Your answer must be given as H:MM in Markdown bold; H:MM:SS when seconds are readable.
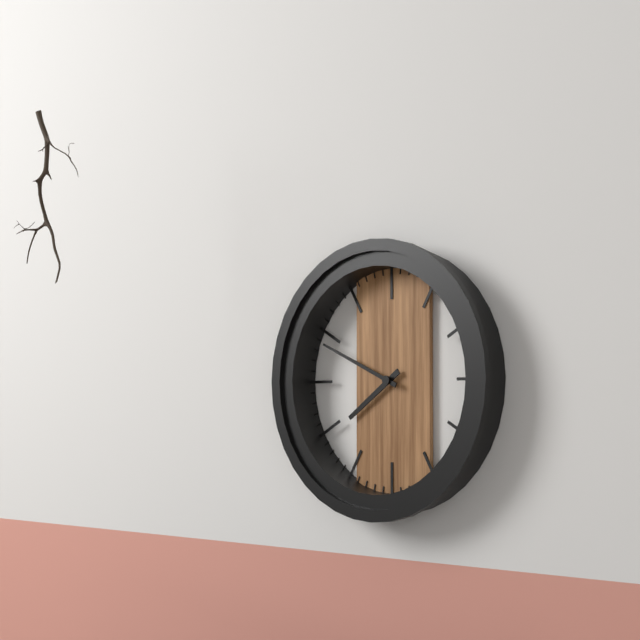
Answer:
**7:49**
